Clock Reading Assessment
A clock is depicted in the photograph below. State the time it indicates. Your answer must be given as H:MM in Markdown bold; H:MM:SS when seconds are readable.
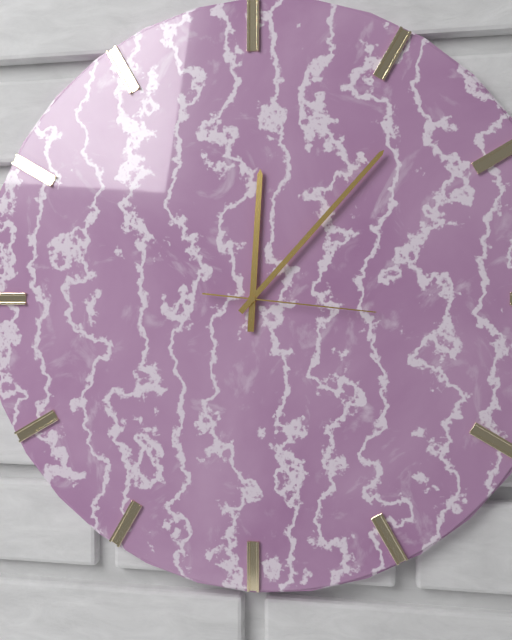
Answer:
**12:07:16**
